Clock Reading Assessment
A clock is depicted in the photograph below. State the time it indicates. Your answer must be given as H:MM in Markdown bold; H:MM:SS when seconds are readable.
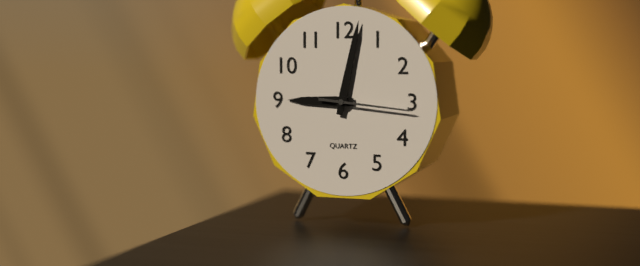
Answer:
**9:02:16**
